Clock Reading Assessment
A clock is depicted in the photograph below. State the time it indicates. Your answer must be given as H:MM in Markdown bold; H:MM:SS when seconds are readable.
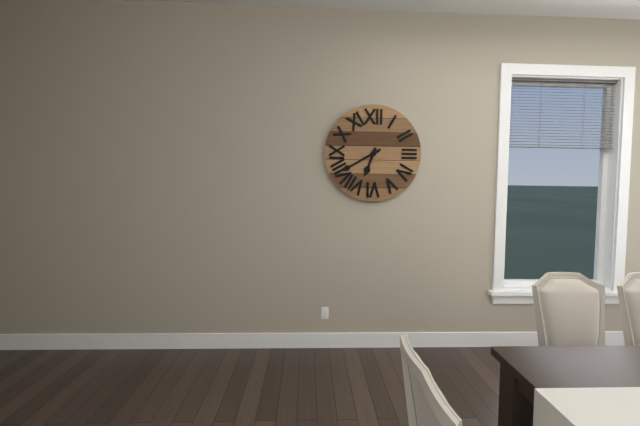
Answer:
**6:40**
